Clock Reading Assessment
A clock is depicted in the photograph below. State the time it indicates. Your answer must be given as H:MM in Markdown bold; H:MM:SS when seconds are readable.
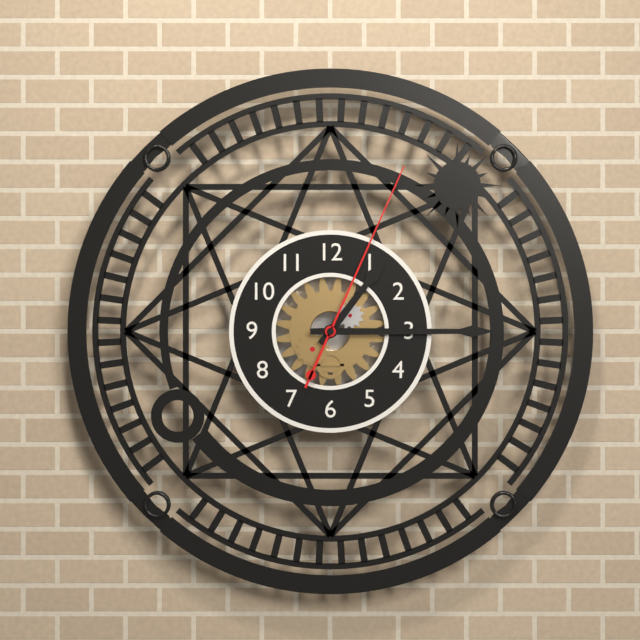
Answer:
**1:15:04**
